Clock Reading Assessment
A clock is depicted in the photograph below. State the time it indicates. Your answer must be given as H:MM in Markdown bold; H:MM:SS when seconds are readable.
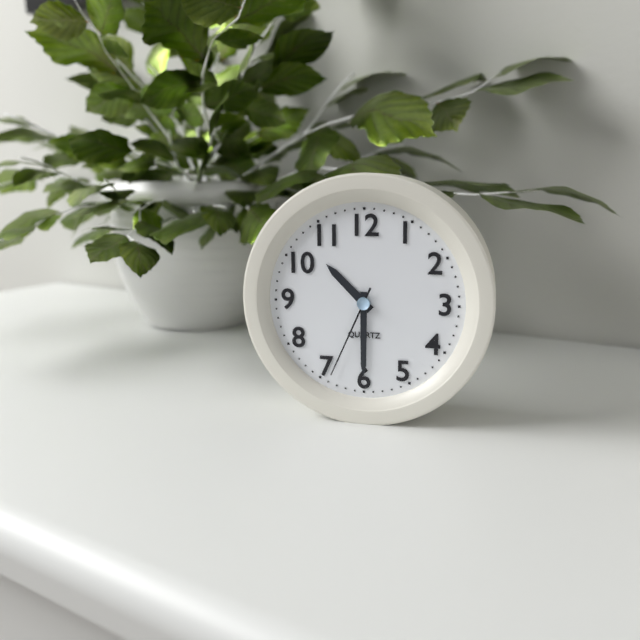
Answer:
**10:30:34**
